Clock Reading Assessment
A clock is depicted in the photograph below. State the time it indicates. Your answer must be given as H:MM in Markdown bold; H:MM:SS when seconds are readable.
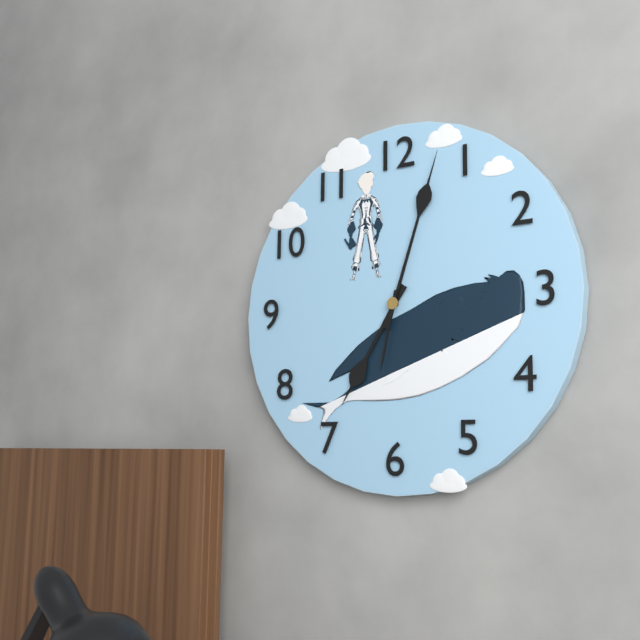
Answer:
**7:03:32**
